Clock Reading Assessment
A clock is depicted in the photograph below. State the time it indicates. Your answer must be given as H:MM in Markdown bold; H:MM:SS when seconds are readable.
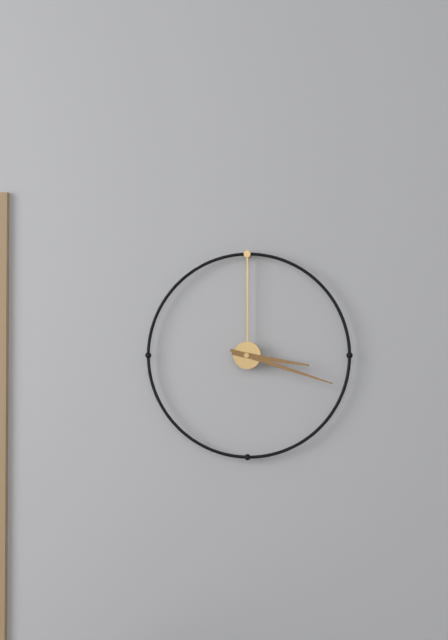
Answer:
**3:18**
